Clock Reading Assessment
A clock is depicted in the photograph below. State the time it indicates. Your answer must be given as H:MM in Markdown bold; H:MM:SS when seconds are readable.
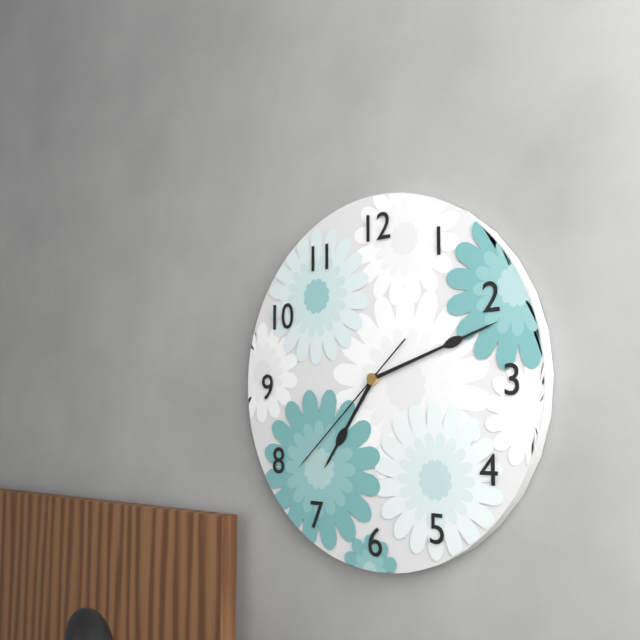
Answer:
**7:12:38**
